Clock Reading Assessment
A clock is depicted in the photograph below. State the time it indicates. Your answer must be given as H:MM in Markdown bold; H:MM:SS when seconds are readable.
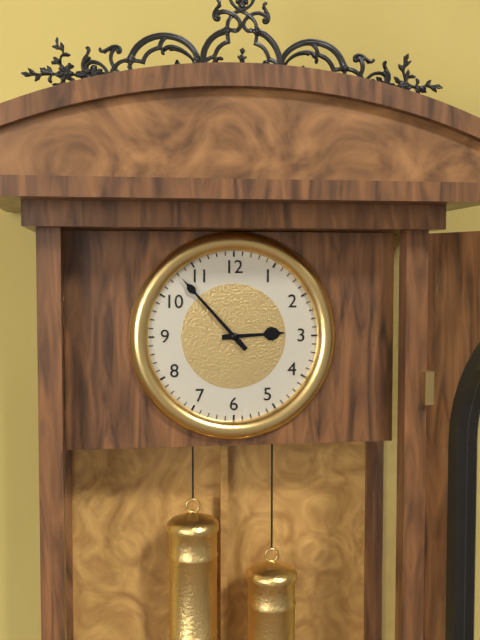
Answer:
**2:53**
